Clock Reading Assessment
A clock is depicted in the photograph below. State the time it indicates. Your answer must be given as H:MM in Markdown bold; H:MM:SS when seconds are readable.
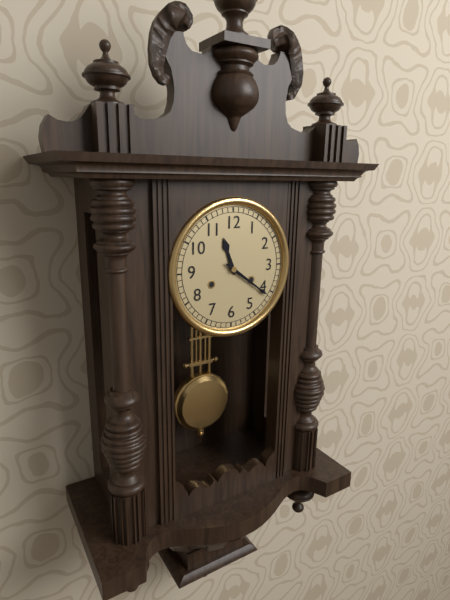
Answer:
**11:21**
